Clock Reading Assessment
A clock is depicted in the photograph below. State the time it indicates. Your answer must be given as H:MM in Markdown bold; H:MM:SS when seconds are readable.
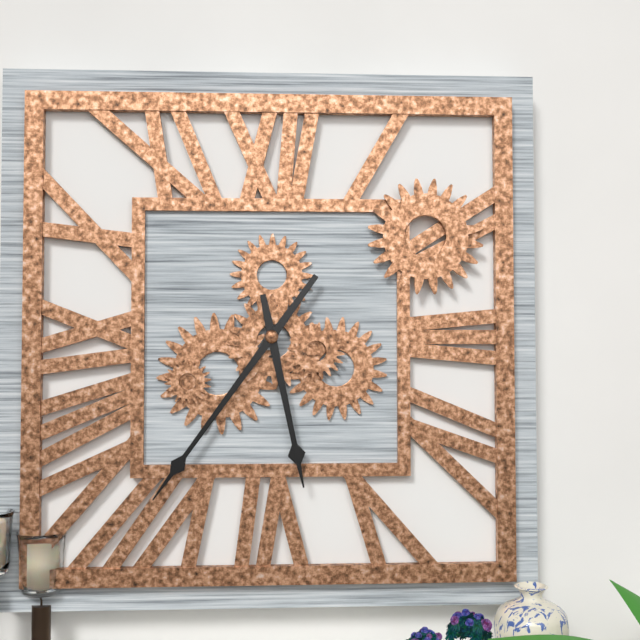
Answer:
**5:36**
